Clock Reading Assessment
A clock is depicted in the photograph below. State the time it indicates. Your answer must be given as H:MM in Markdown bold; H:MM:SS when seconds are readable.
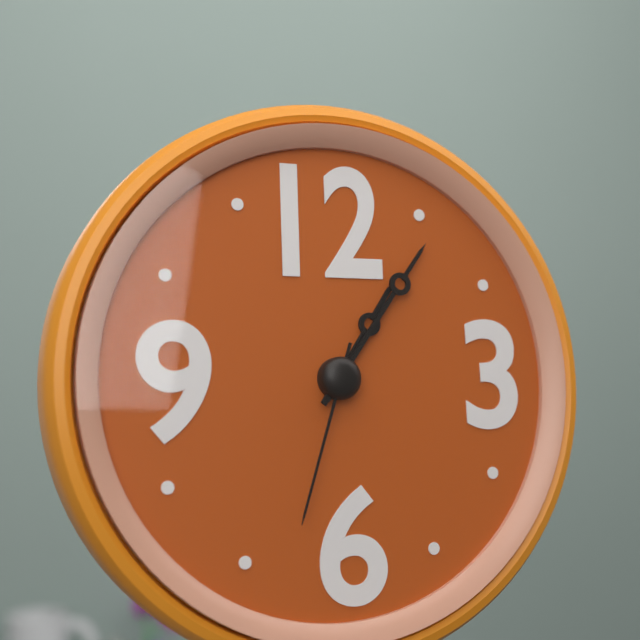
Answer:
**1:06:33**
